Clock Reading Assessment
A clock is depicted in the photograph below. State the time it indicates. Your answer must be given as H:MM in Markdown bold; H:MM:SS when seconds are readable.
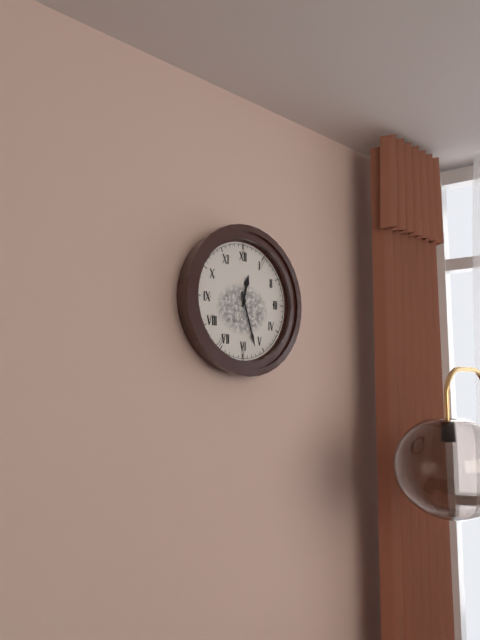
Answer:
**12:27**
